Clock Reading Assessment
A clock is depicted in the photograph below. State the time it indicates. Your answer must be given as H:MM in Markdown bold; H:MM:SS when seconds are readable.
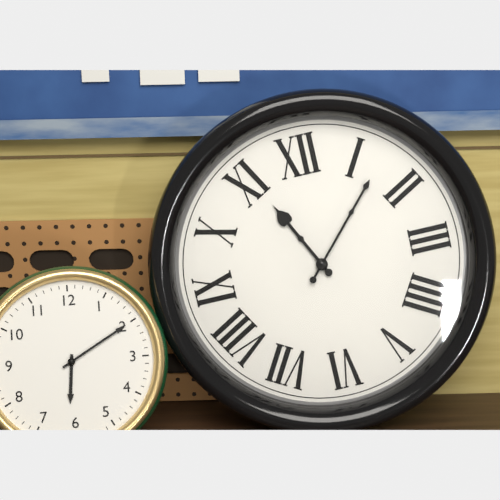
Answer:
**11:07**
